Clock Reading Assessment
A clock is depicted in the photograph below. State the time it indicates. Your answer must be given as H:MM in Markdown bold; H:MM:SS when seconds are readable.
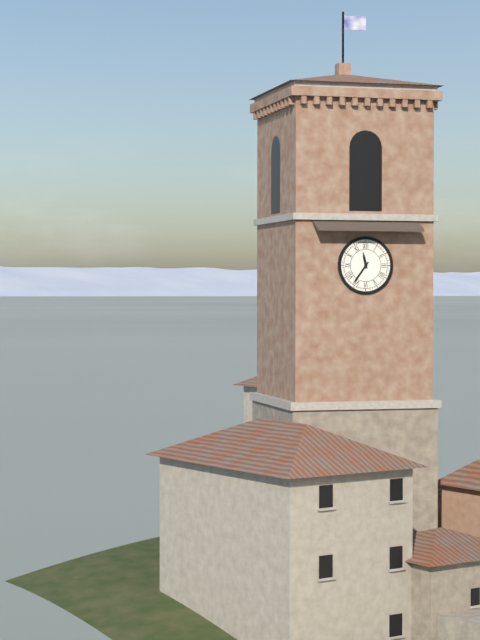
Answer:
**11:36**
